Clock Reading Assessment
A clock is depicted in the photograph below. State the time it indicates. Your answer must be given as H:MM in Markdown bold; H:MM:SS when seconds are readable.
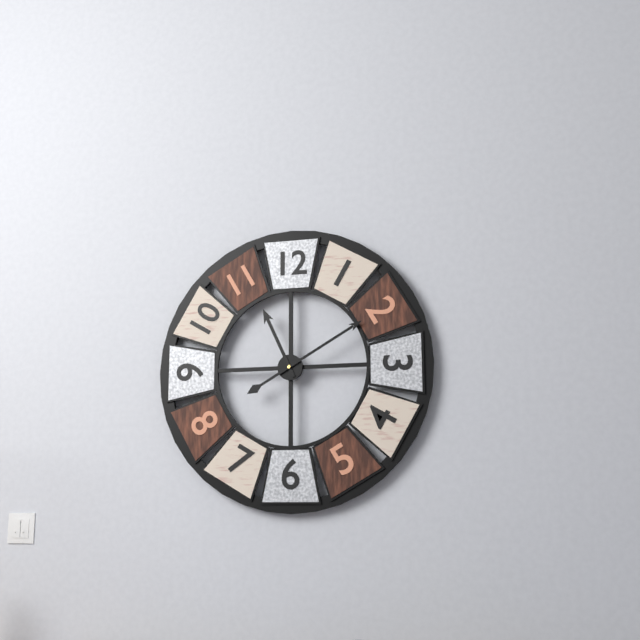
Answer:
**11:10**
